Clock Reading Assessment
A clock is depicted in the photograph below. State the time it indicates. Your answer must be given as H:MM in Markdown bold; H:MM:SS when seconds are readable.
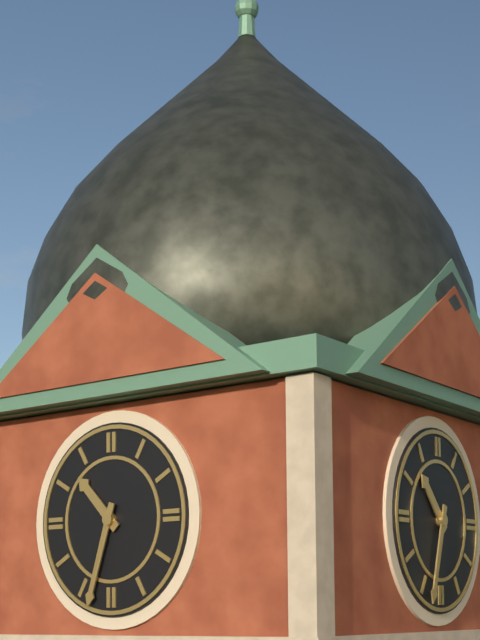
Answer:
**10:33**
